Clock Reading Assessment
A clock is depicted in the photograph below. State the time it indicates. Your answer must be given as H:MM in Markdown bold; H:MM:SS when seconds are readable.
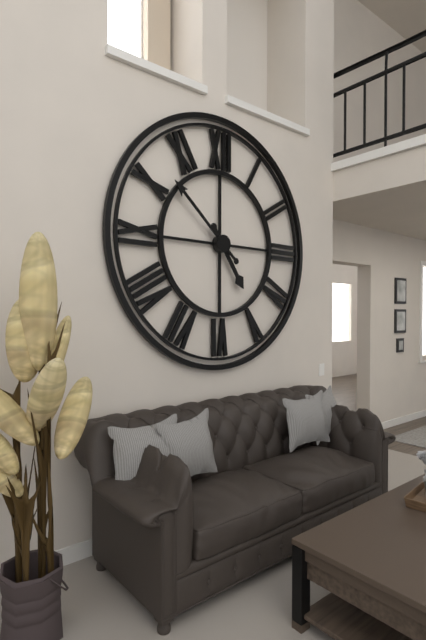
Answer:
**4:52**
